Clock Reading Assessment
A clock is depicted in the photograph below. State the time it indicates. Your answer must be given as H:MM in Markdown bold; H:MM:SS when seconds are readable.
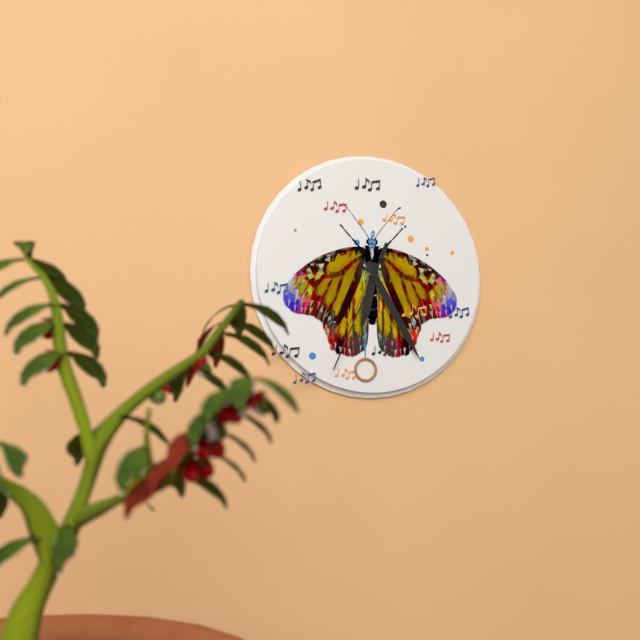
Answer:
**6:25:34**
